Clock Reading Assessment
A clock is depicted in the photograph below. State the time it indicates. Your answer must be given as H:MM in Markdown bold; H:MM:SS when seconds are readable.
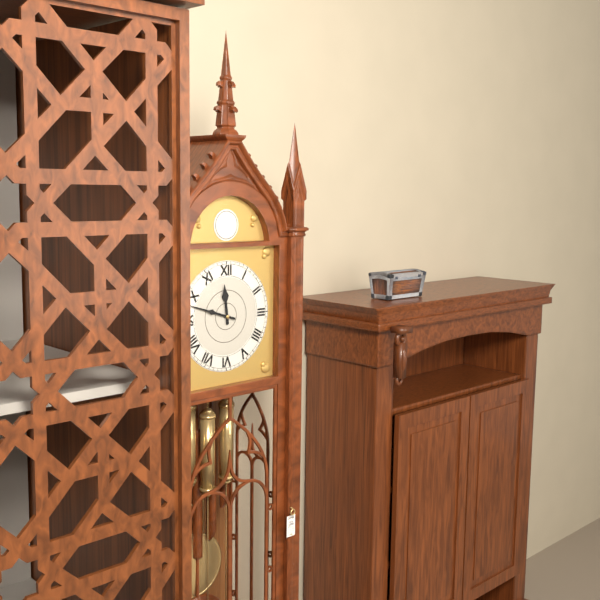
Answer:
**11:48**
